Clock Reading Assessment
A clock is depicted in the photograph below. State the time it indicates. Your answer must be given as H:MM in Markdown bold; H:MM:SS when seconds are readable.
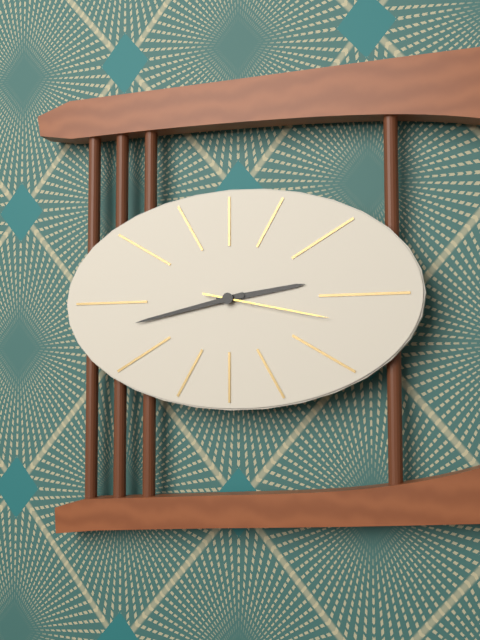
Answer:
**2:43:17**
